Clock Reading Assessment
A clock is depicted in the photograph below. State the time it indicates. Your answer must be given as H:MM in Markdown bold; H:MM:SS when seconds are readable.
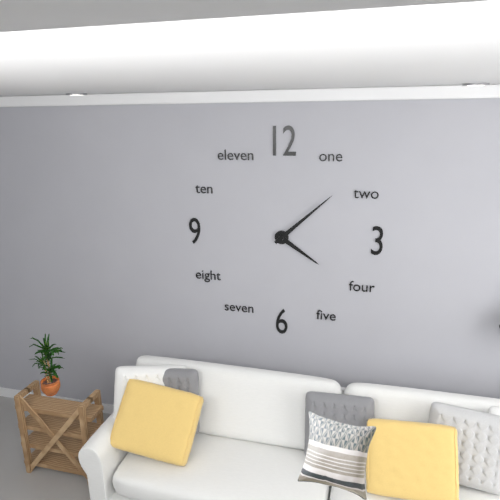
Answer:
**4:08**
